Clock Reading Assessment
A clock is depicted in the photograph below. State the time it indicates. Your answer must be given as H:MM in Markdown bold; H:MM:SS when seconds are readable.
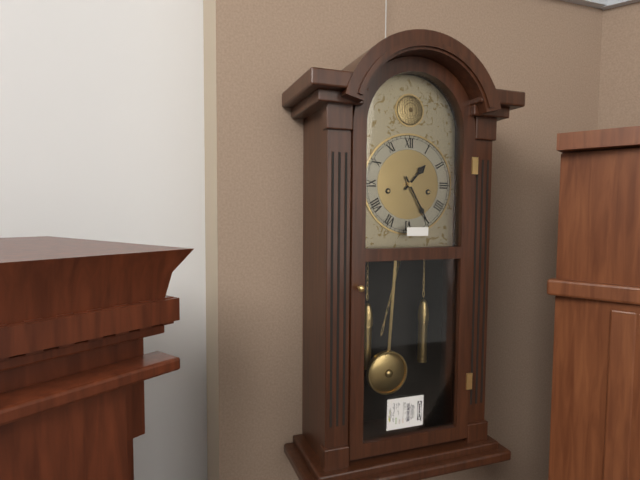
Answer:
**1:25**
